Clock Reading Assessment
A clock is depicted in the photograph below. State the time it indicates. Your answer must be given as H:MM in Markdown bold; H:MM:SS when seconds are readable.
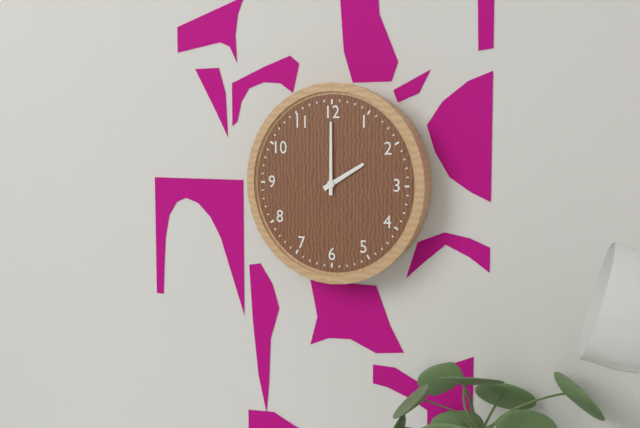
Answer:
**2:00**
